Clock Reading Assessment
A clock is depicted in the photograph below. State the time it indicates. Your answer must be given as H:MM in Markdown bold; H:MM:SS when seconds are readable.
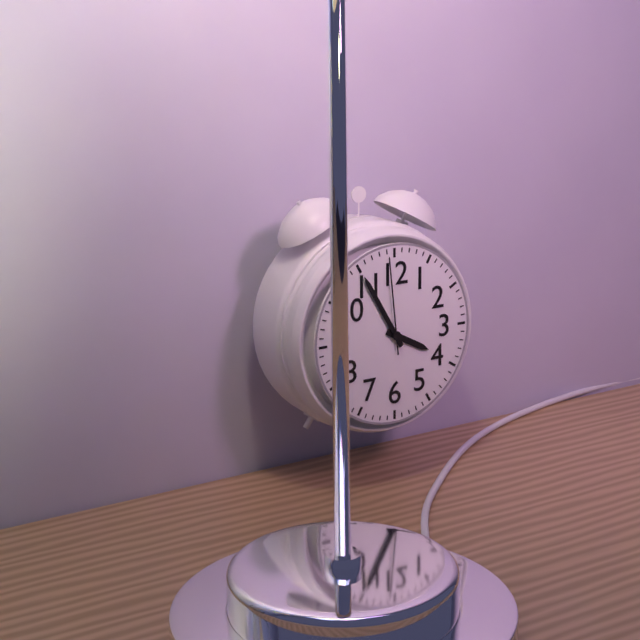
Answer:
**3:55:59**
